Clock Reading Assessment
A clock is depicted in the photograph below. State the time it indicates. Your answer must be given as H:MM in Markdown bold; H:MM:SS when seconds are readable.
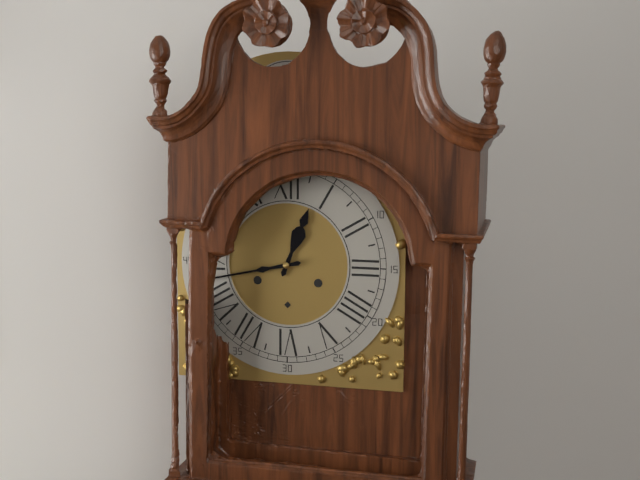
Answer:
**12:43**
